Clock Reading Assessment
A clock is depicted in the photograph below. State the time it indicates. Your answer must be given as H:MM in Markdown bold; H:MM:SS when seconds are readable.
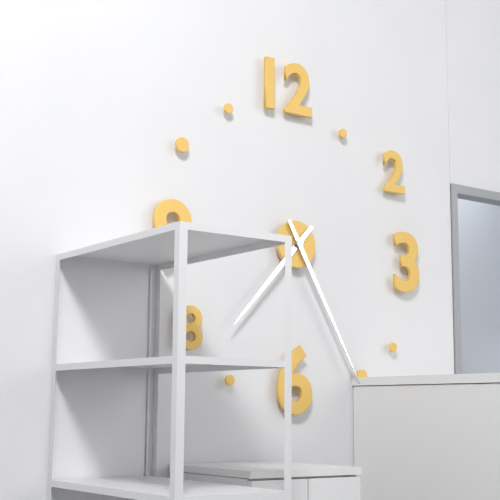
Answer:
**7:25**
